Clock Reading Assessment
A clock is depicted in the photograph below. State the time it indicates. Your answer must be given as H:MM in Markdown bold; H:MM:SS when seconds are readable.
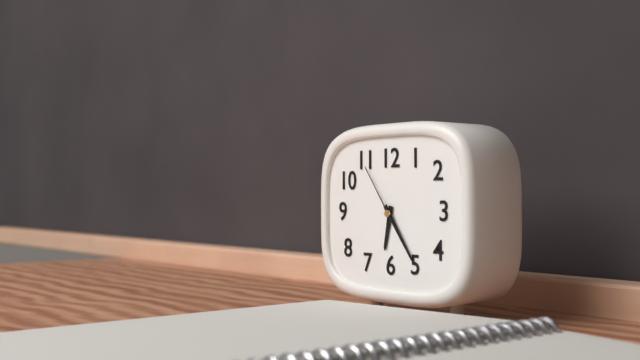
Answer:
**6:24:54**
